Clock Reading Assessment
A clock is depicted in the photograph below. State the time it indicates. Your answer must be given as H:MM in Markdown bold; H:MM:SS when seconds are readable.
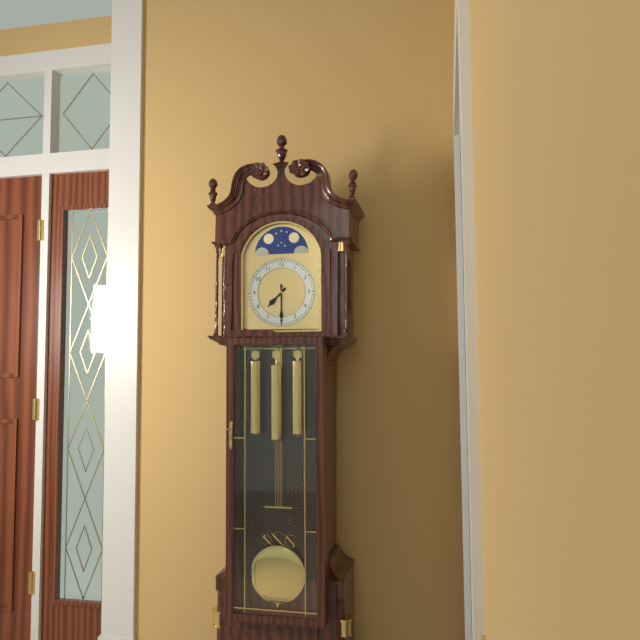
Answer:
**7:30**
